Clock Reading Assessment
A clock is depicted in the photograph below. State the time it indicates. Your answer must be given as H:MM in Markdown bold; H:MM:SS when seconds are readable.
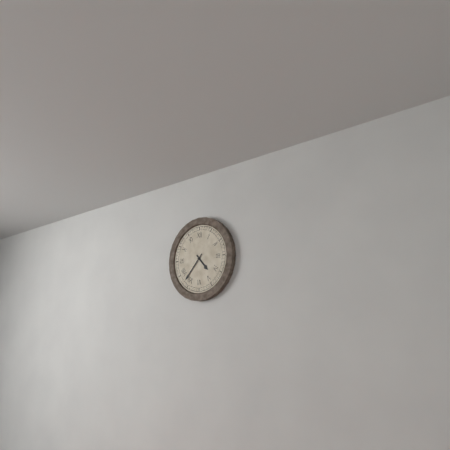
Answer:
**4:37**
